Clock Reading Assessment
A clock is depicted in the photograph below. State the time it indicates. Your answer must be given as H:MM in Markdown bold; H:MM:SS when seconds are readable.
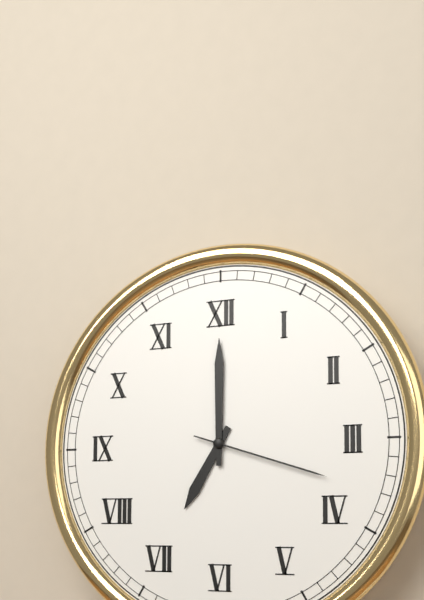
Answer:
**7:00:18**
